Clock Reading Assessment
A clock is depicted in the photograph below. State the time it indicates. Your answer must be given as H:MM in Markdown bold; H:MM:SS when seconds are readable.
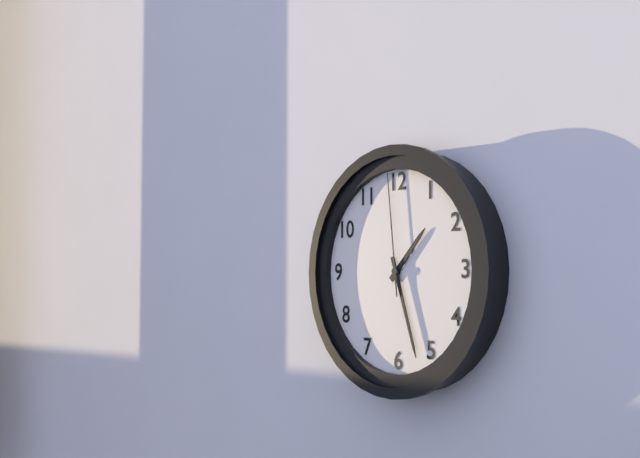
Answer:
**1:27:59**
